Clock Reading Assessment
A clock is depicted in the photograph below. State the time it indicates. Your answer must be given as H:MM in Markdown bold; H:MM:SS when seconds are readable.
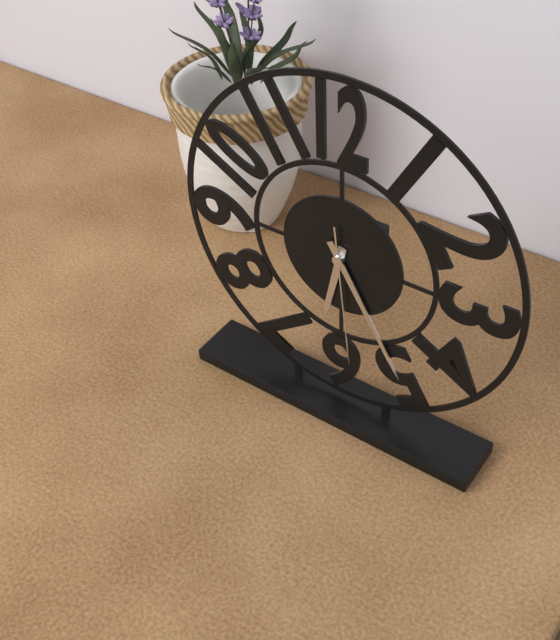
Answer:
**6:25:29**
